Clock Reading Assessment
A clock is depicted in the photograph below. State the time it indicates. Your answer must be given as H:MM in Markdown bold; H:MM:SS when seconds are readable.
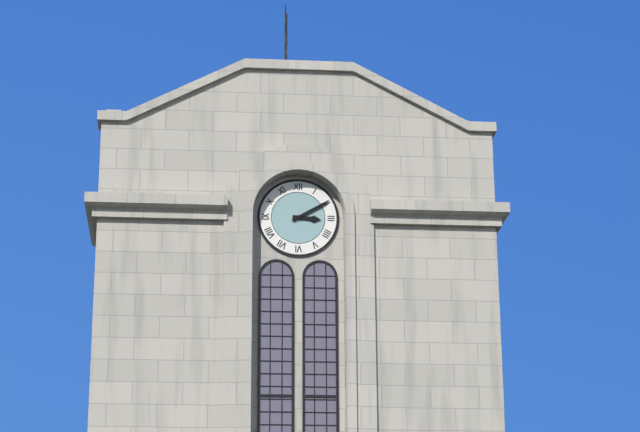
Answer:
**3:10**
